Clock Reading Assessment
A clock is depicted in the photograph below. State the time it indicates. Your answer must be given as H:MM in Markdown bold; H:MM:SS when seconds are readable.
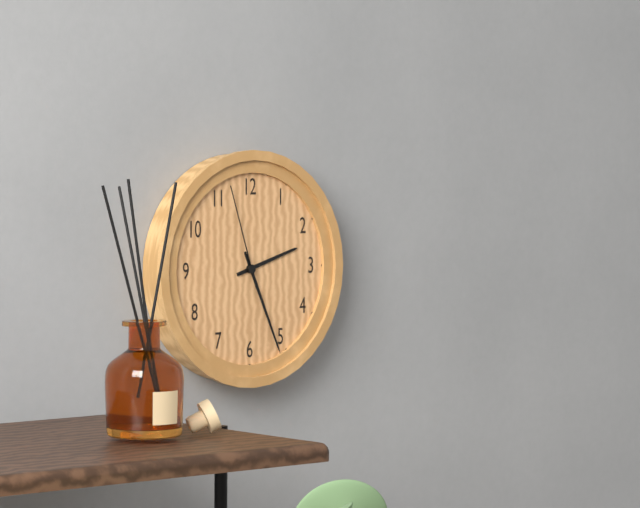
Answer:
**2:26:57**
